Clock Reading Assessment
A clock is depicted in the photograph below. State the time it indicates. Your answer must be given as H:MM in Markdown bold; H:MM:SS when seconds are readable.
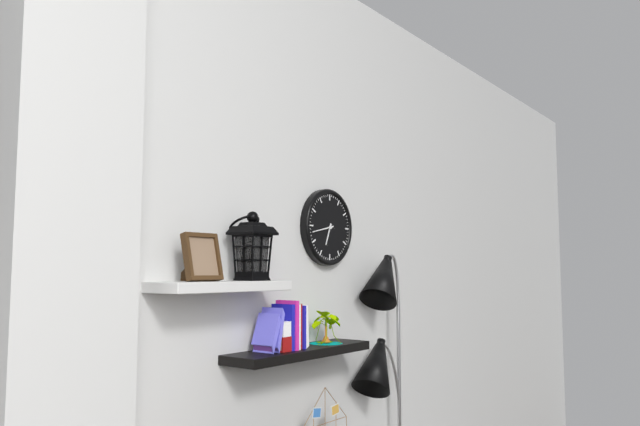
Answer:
**6:43**
